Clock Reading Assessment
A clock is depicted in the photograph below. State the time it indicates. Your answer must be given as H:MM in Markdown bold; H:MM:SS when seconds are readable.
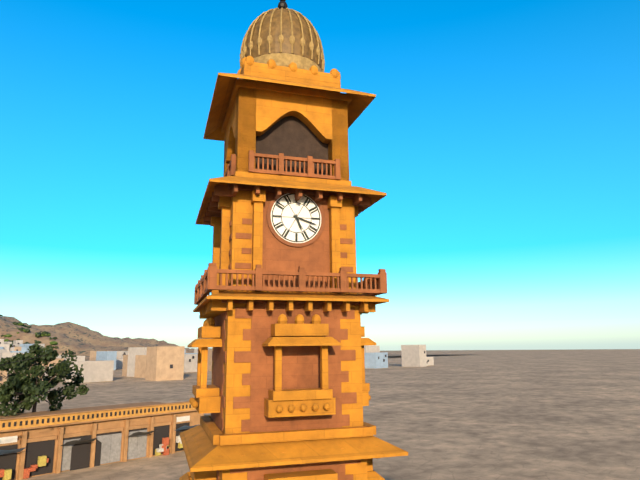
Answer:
**5:18**
